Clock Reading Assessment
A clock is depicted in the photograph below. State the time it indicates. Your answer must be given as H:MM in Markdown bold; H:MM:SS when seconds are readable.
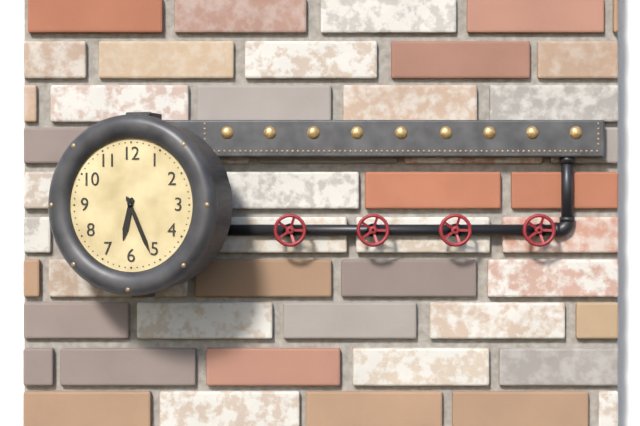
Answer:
**6:26**
